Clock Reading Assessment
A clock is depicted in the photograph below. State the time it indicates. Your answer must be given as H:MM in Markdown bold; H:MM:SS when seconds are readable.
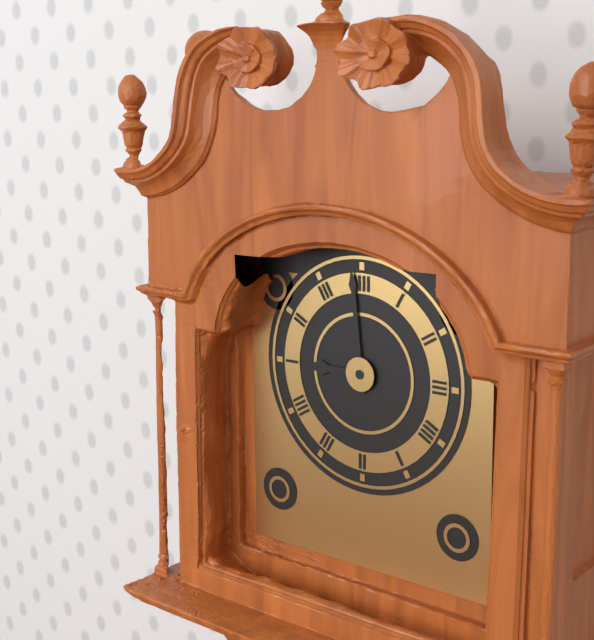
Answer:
**8:59**
